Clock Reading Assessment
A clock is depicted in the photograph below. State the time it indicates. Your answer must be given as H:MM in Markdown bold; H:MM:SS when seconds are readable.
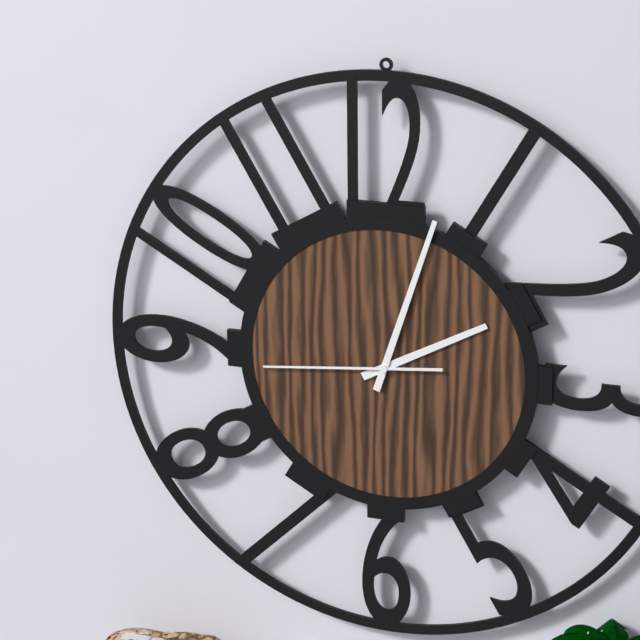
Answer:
**2:03:44**
